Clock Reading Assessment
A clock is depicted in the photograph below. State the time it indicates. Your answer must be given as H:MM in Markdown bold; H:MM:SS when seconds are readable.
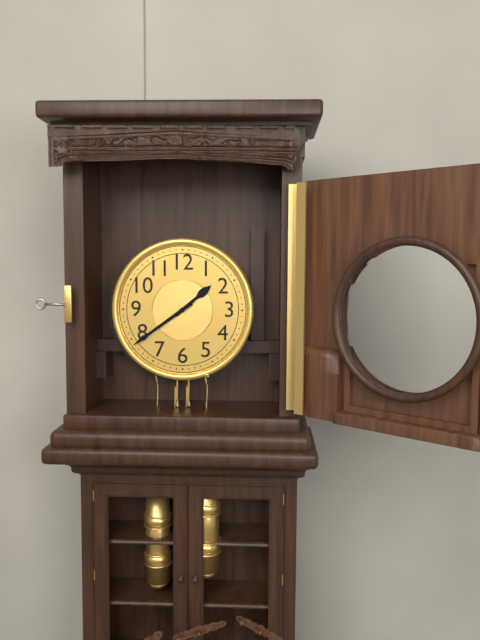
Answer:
**1:39**
